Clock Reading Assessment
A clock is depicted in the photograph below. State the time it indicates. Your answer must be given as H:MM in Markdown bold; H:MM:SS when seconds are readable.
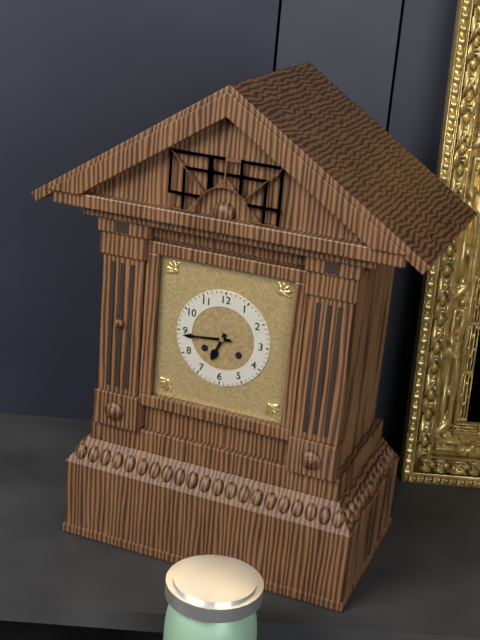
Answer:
**6:44**
